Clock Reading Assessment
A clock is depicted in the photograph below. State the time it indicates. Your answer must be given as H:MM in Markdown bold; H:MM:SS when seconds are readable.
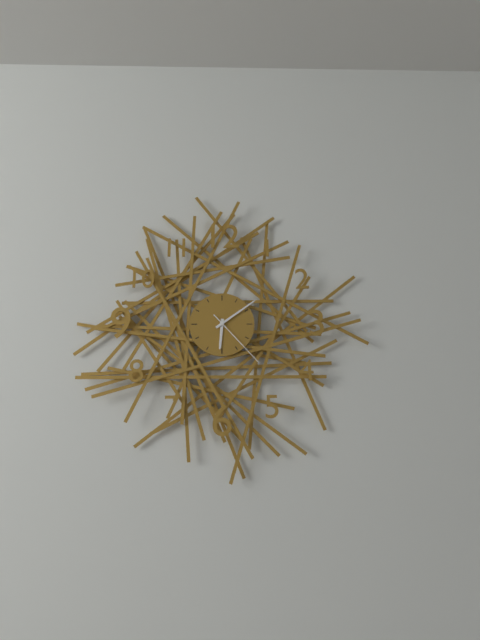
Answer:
**6:09:23**
